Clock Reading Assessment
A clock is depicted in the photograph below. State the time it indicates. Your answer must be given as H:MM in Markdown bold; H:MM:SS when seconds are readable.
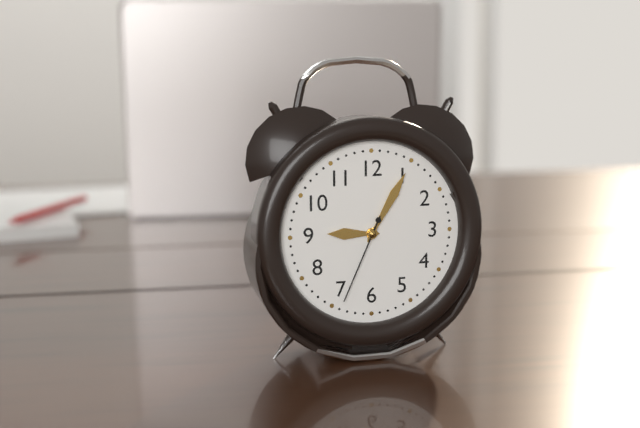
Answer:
**9:05:34**
